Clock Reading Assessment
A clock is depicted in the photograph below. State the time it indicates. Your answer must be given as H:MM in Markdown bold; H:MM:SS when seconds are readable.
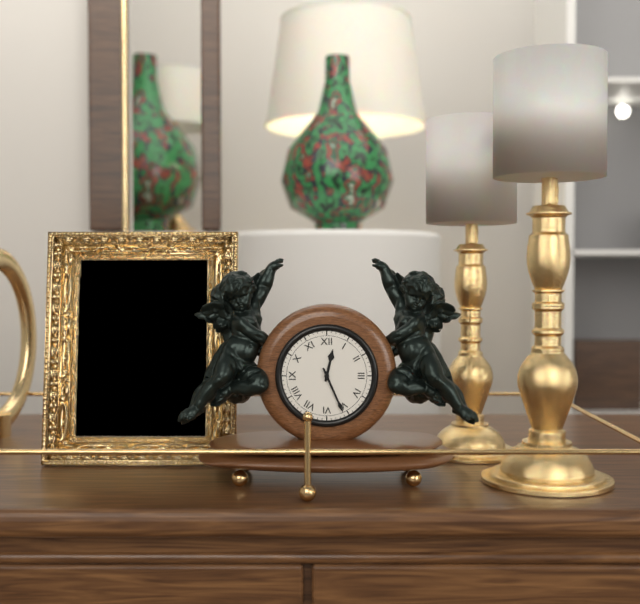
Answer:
**12:26**
